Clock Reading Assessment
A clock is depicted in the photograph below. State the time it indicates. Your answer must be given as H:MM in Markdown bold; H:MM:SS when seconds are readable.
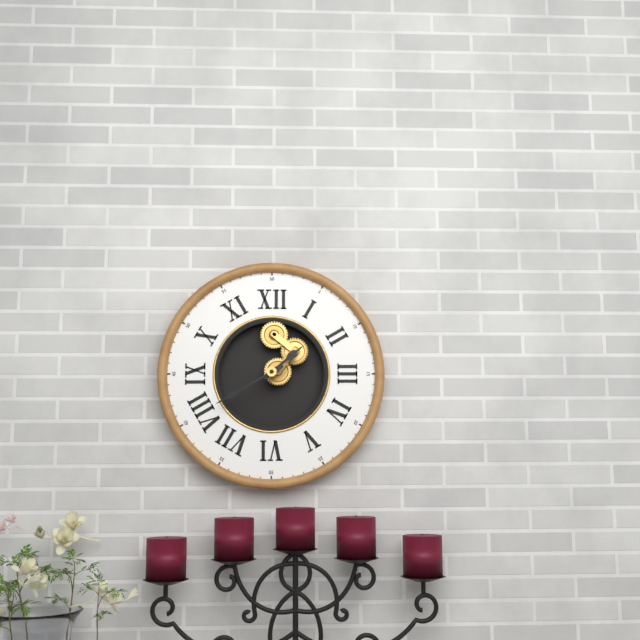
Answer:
**1:40**
